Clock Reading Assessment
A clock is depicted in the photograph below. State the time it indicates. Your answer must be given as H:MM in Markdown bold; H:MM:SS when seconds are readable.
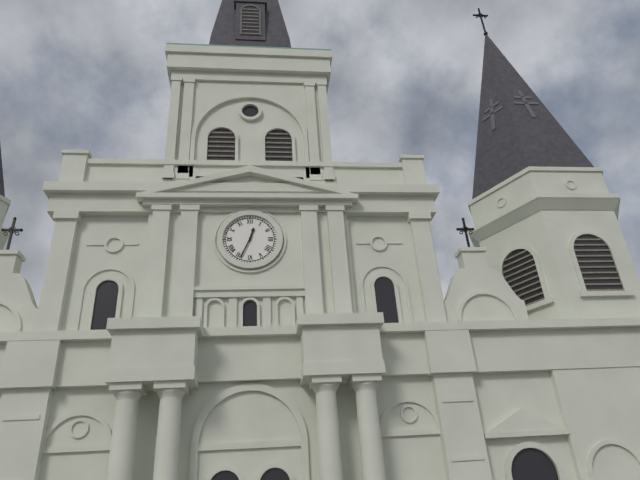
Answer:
**12:34**
